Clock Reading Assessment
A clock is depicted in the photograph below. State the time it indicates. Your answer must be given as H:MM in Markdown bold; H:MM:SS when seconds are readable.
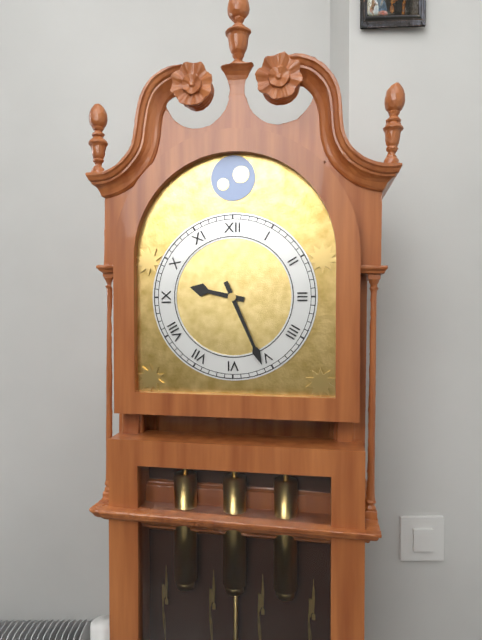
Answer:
**9:26**
